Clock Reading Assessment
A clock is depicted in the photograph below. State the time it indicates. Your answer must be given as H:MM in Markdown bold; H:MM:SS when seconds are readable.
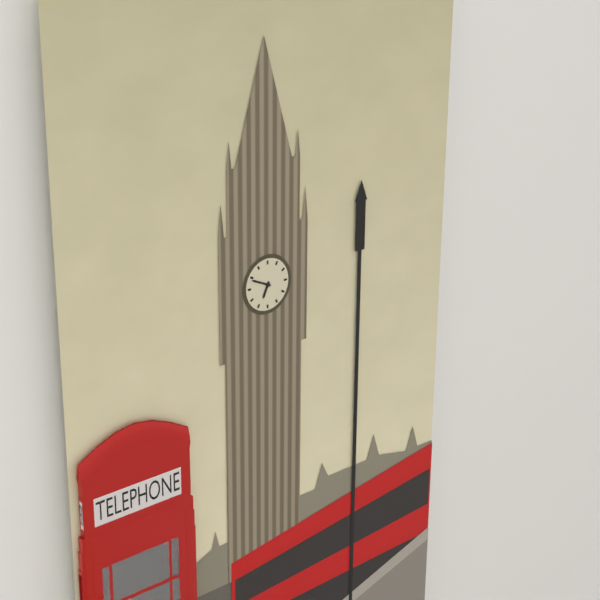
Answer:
**6:49**
